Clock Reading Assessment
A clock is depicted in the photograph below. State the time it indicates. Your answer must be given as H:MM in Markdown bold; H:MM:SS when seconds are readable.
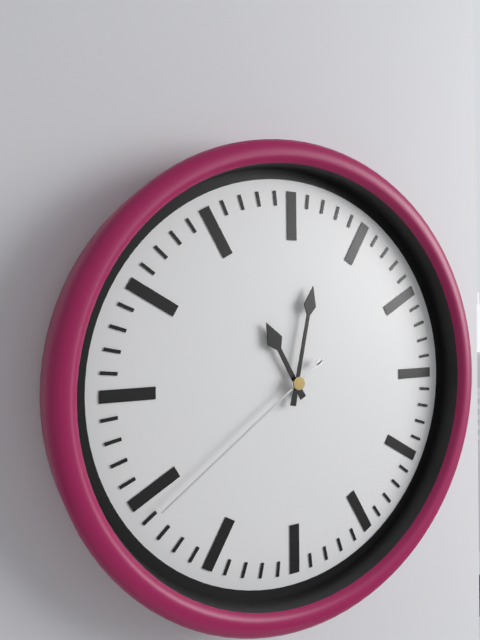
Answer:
**11:02:39**
